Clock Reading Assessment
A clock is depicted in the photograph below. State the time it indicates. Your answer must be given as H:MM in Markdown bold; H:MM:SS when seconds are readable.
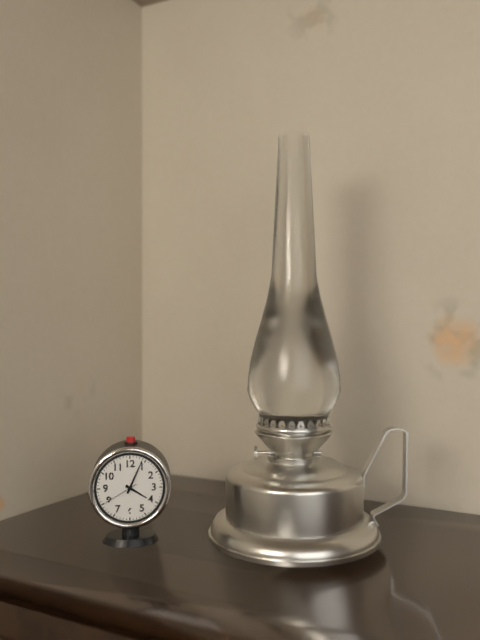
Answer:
**4:04**
